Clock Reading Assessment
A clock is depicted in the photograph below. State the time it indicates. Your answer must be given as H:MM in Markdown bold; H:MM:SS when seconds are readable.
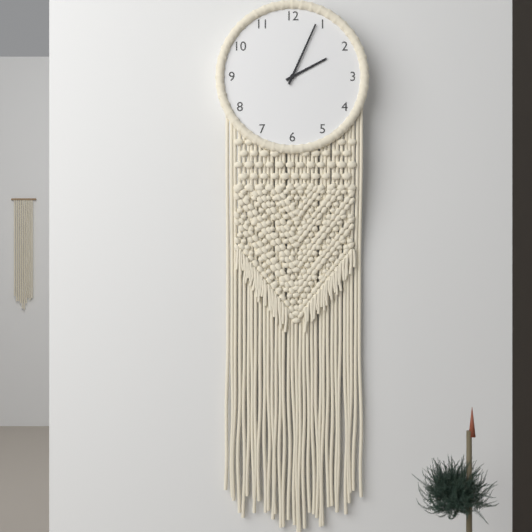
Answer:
**2:04**
